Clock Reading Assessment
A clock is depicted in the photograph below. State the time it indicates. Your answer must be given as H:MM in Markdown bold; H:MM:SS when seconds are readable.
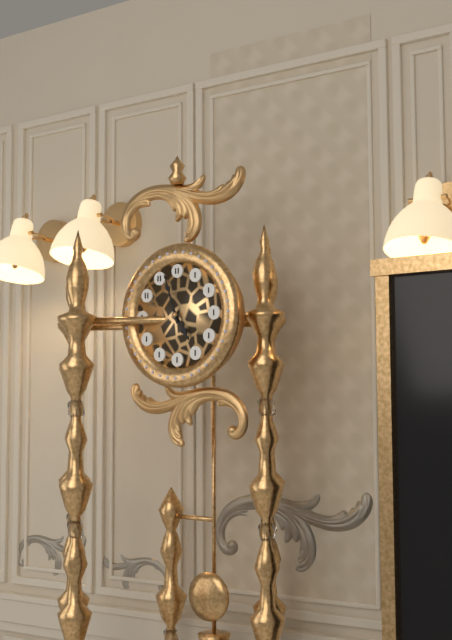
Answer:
**4:57**
